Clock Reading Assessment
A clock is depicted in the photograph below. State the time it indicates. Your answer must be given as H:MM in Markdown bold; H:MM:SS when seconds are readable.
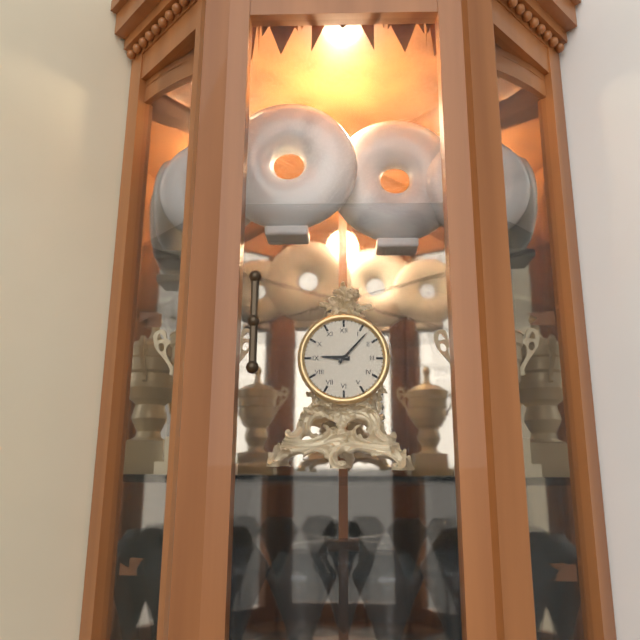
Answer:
**9:07**
